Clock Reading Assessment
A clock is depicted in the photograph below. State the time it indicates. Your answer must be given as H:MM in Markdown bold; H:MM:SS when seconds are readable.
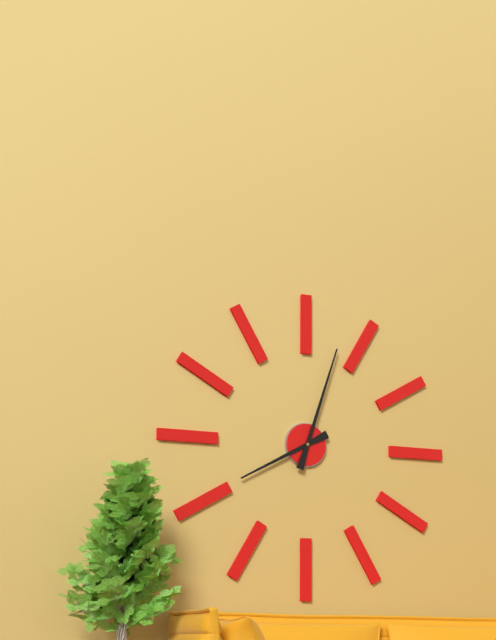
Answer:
**8:03**
